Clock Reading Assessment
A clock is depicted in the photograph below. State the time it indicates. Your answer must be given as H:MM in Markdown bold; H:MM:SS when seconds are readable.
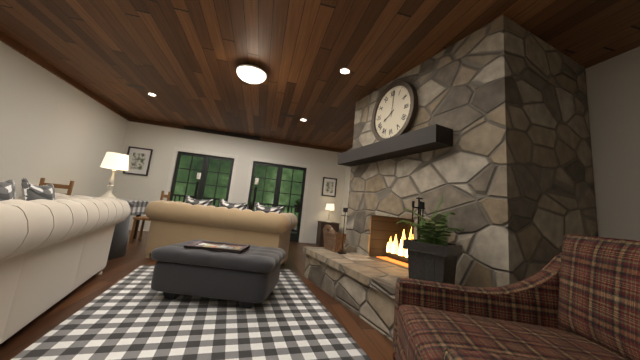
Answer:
**8:01**
